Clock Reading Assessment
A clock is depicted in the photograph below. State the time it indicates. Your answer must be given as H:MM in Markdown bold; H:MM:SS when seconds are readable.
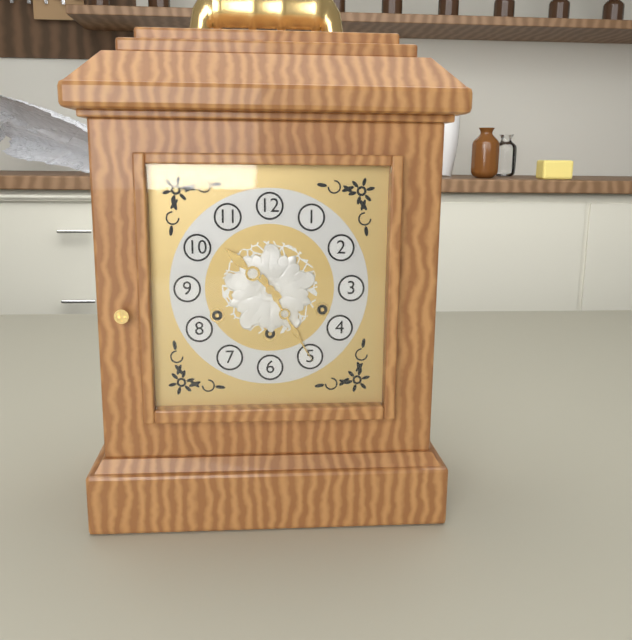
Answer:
**10:25**
